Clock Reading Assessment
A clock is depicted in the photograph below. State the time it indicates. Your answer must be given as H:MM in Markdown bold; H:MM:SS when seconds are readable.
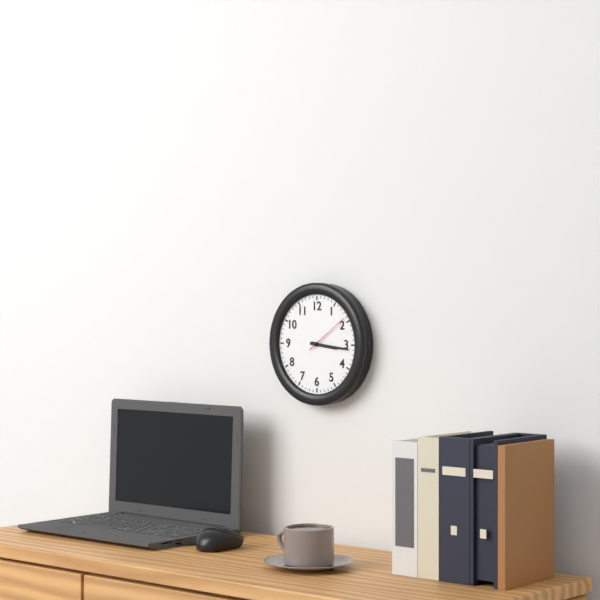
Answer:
**3:16**
